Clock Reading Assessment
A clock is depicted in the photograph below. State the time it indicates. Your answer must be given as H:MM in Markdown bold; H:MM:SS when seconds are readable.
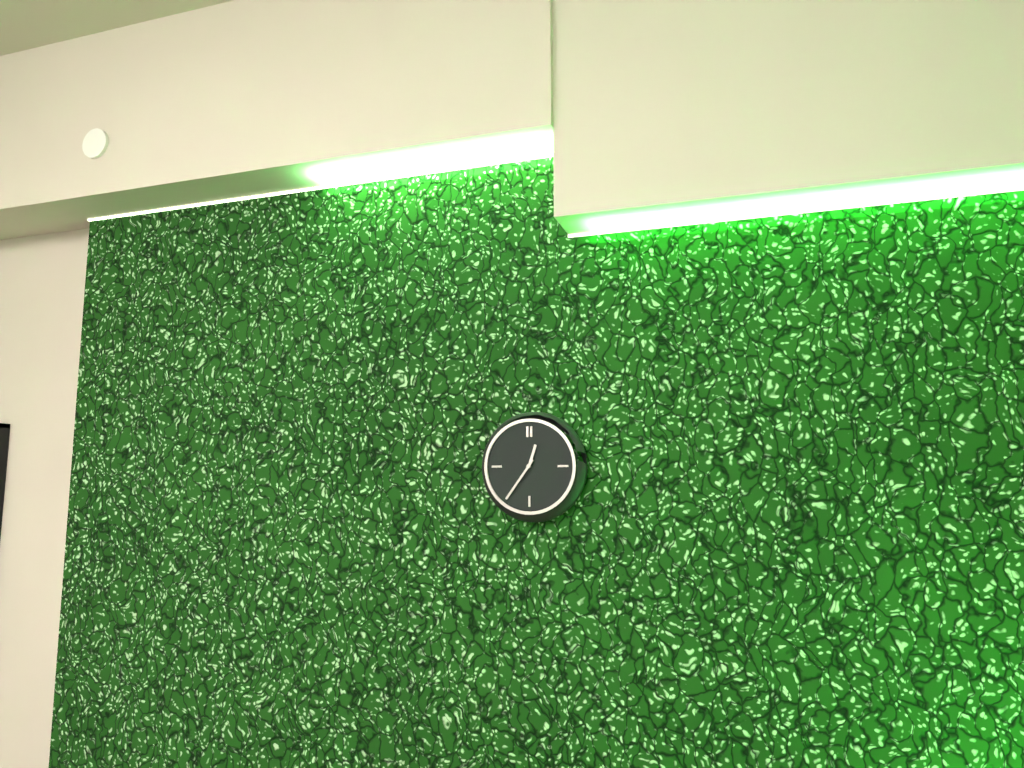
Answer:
**12:36**
